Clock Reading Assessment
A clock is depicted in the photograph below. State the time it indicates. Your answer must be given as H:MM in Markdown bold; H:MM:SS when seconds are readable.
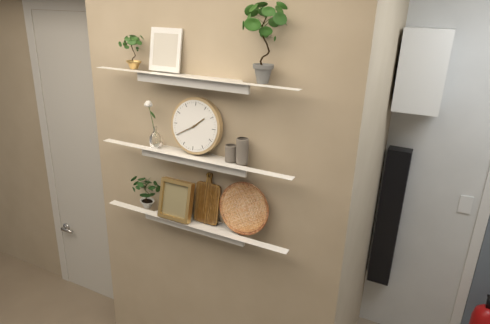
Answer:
**1:40**
